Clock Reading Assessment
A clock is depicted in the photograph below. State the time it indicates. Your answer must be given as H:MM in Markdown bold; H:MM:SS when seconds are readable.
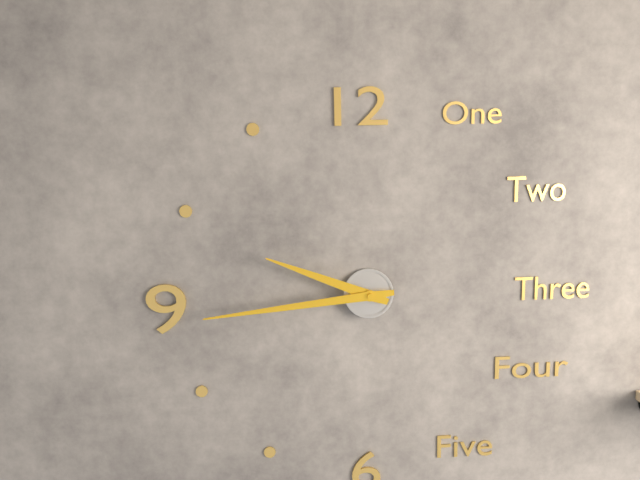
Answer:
**9:44**
